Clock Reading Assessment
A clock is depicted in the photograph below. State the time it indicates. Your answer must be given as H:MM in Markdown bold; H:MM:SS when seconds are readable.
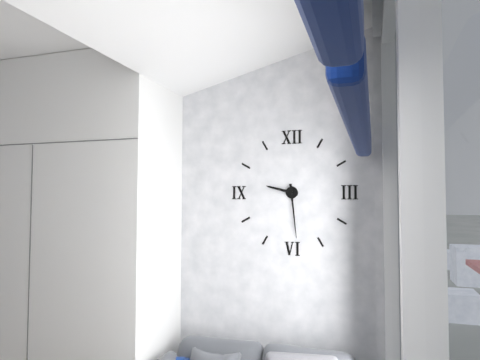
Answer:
**9:29**
